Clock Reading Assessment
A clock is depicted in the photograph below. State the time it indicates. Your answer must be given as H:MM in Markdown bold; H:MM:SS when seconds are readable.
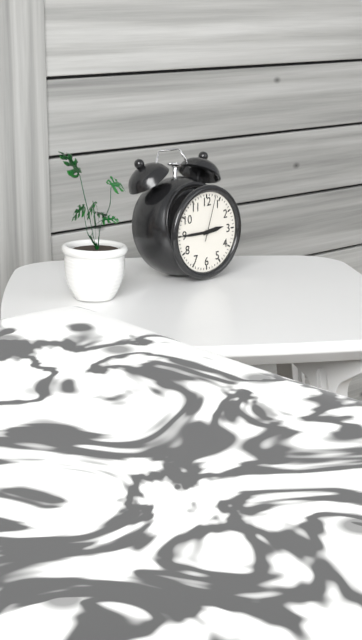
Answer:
**2:45**
